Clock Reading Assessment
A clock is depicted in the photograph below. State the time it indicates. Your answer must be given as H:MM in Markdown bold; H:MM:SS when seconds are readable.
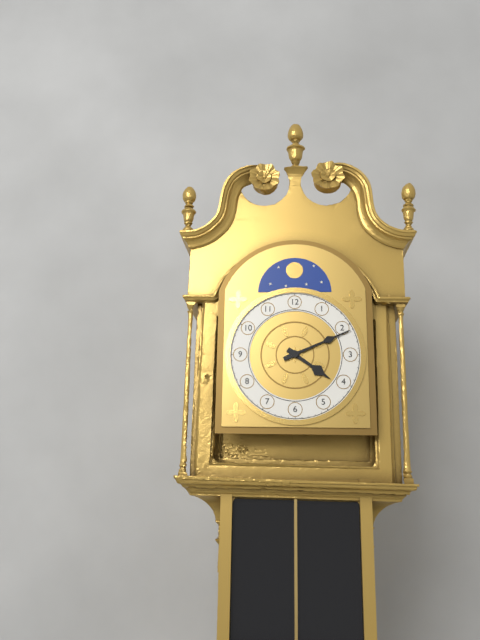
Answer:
**4:11**
